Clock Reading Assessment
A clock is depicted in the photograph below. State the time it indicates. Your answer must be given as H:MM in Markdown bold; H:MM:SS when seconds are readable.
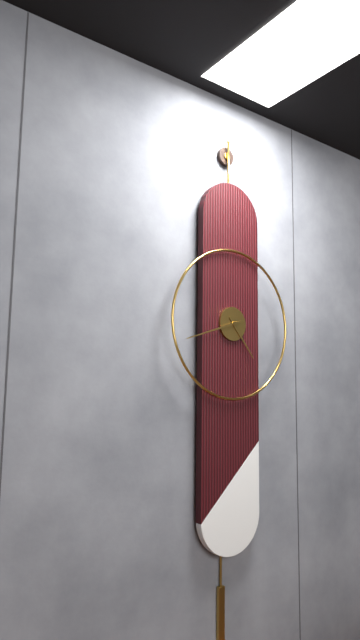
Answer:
**4:42**
